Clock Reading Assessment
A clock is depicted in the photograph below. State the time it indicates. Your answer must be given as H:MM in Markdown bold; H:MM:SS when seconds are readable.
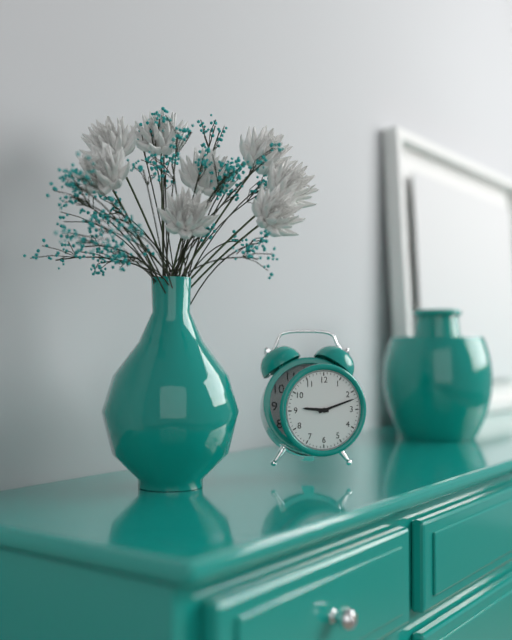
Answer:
**9:12**
